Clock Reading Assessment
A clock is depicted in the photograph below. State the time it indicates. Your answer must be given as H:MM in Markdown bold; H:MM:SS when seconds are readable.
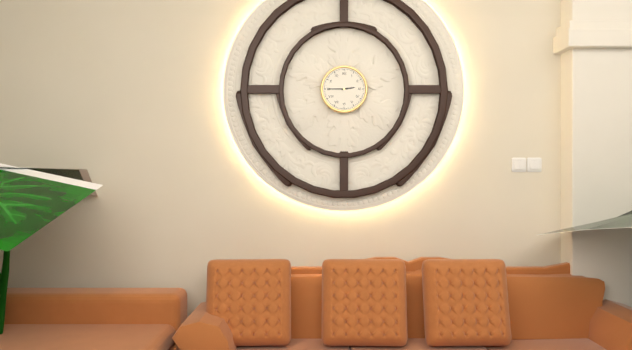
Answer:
**2:45**
